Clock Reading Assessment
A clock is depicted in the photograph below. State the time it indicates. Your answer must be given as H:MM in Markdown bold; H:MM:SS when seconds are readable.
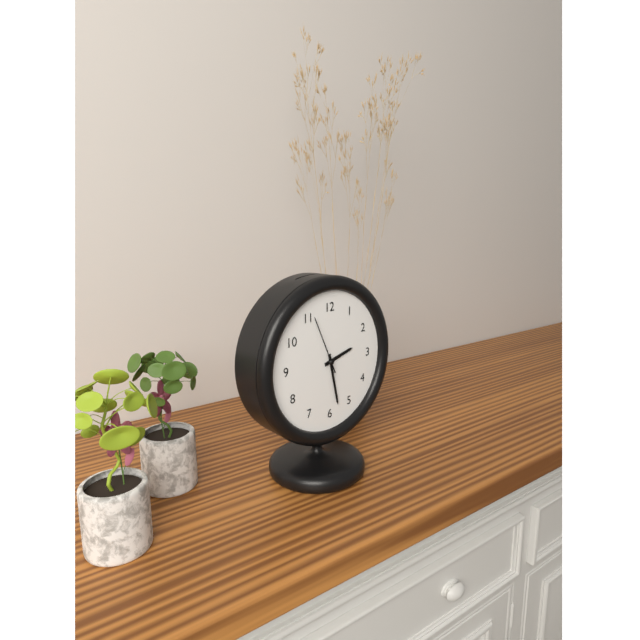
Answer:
**2:28:56**
